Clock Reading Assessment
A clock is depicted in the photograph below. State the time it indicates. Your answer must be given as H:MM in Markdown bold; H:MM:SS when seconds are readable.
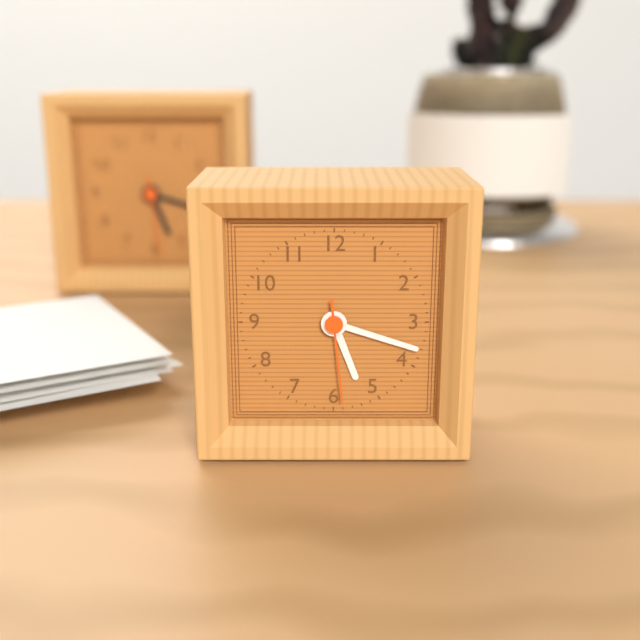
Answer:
**5:18:29**
